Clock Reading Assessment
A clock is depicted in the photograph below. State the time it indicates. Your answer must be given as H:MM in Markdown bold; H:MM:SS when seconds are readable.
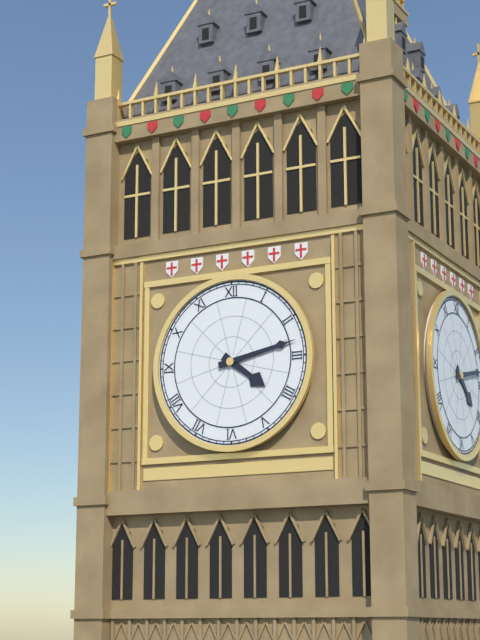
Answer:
**4:13**
